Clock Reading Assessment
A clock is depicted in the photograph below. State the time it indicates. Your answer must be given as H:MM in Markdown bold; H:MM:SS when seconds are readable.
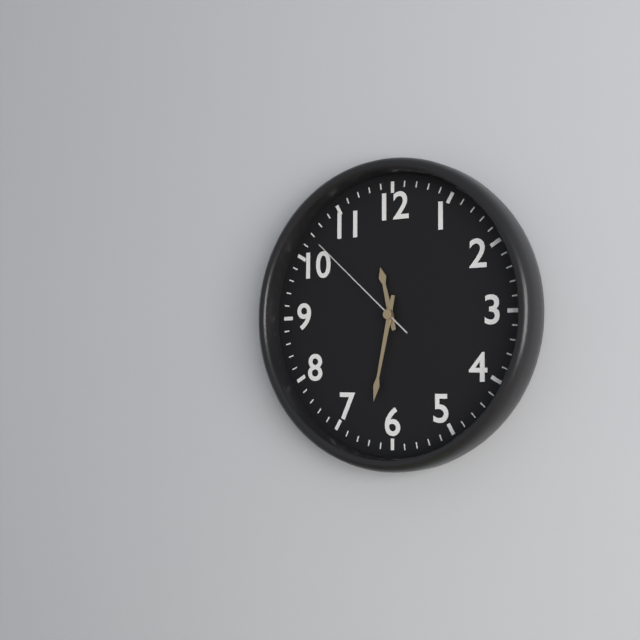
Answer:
**11:32:52**
